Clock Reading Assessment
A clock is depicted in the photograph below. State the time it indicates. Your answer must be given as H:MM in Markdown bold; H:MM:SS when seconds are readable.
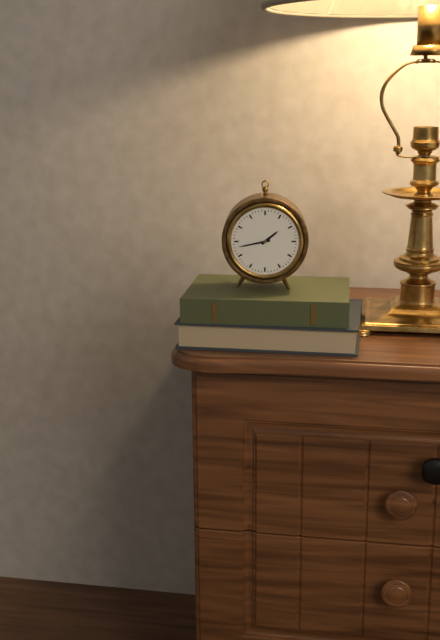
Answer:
**1:43**
